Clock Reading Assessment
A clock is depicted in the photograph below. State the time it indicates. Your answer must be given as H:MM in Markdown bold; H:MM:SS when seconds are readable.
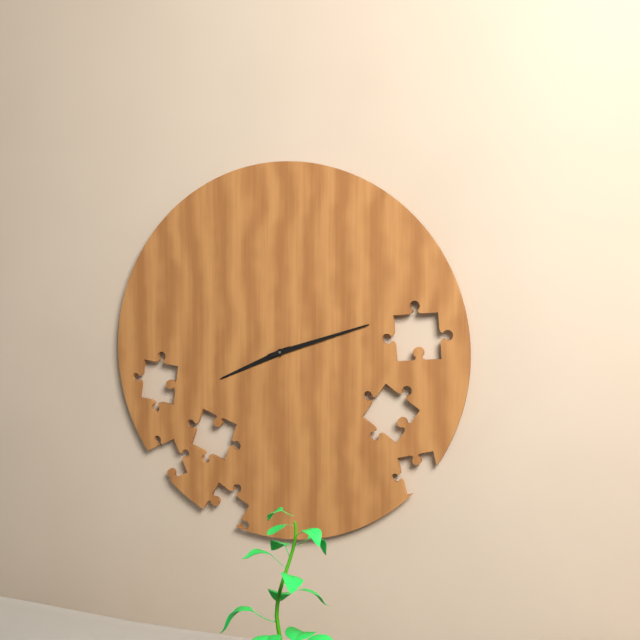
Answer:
**8:12**
